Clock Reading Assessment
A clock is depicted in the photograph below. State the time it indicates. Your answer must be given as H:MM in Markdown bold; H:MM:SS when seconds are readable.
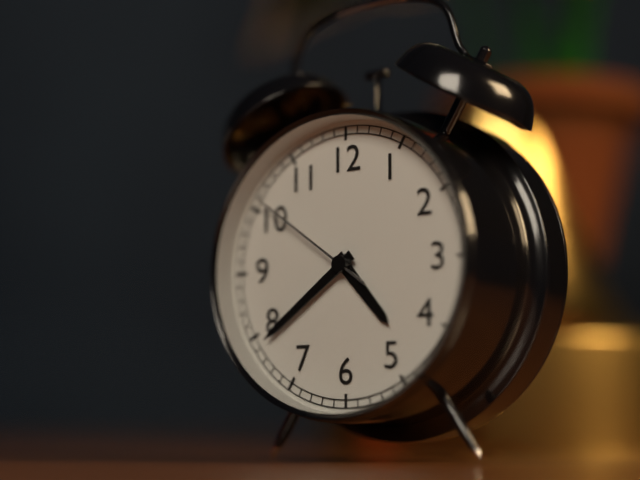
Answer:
**4:39:51**
